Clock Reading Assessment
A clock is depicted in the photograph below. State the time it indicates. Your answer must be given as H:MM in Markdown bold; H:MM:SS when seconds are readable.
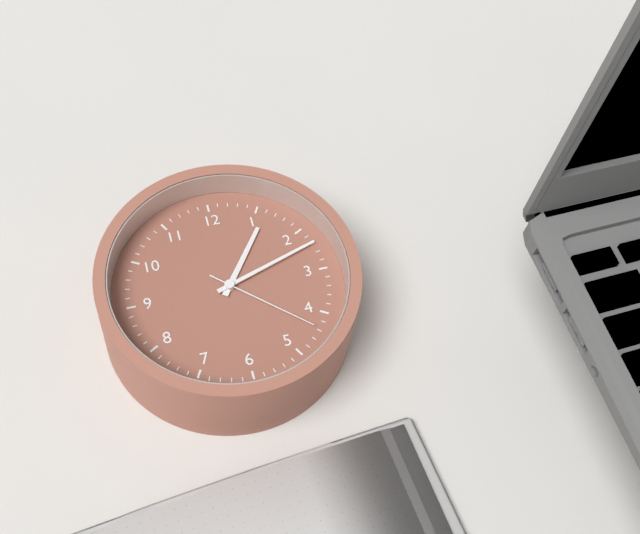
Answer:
**1:12:22**
